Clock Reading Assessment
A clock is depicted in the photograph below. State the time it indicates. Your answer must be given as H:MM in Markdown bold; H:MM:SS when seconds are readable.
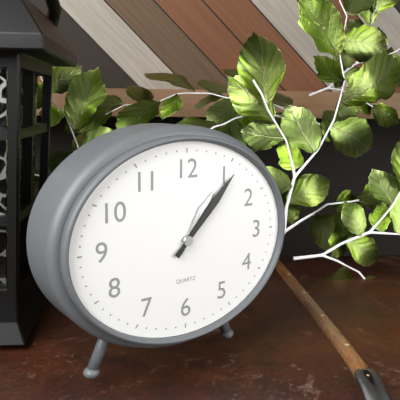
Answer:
**1:07**
